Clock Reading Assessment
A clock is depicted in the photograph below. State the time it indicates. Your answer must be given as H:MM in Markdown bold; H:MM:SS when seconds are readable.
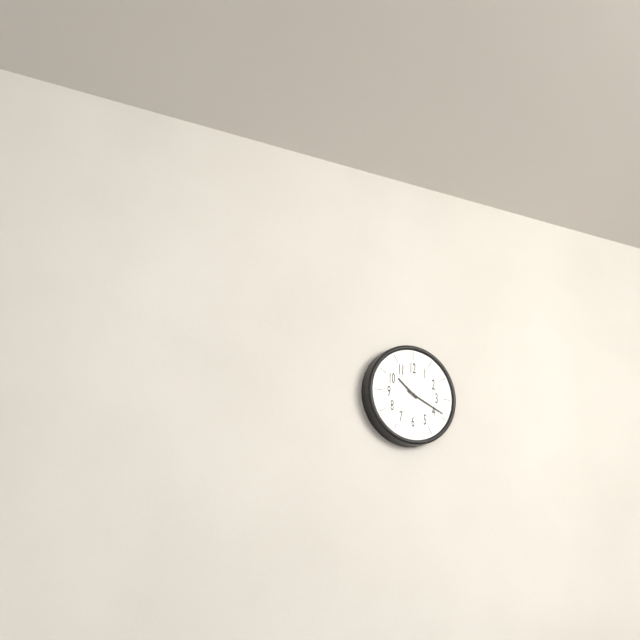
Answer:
**10:19**
